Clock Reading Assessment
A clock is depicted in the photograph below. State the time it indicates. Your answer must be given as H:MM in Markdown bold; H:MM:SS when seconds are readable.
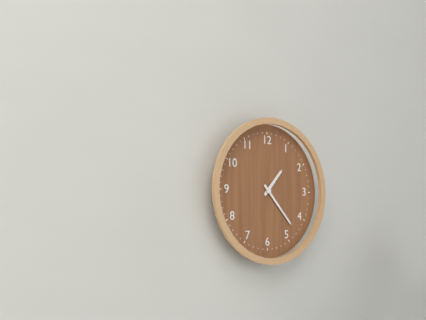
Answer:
**1:23**
